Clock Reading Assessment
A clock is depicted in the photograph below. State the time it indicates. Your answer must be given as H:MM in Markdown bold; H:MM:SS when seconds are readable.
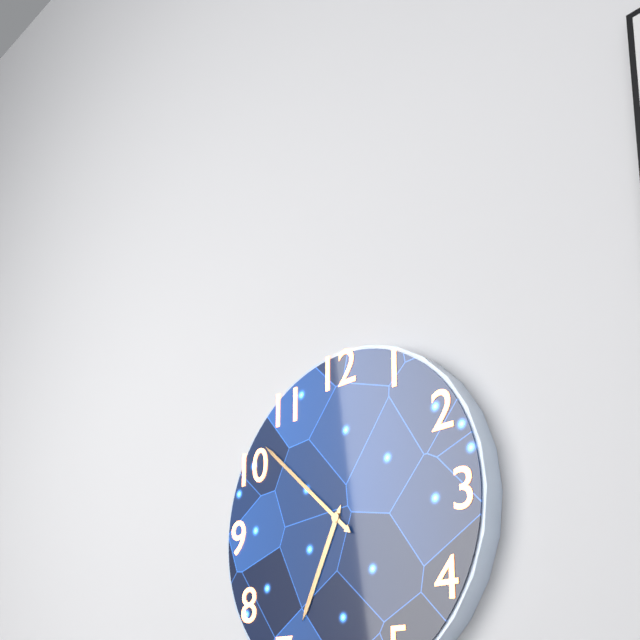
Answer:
**6:52**
